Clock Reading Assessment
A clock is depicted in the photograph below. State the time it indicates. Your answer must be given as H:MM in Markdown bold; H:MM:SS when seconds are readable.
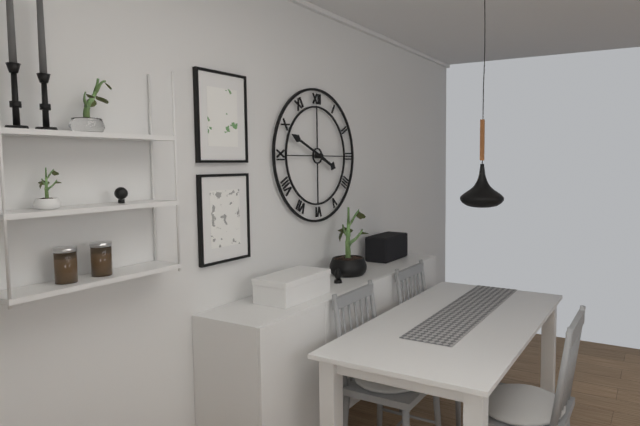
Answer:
**3:49**
